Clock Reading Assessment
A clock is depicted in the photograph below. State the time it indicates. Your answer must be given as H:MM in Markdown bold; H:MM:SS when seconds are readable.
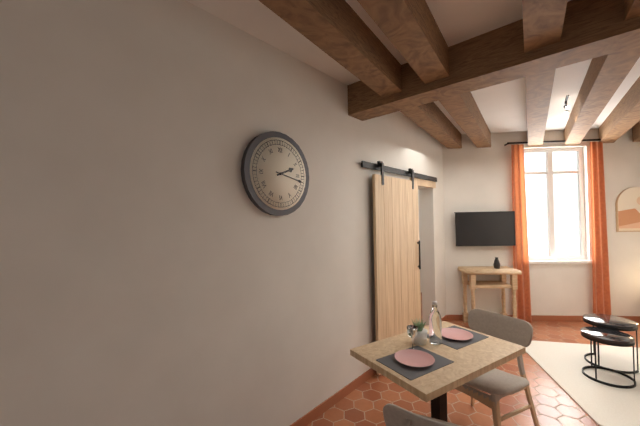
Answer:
**2:17**
